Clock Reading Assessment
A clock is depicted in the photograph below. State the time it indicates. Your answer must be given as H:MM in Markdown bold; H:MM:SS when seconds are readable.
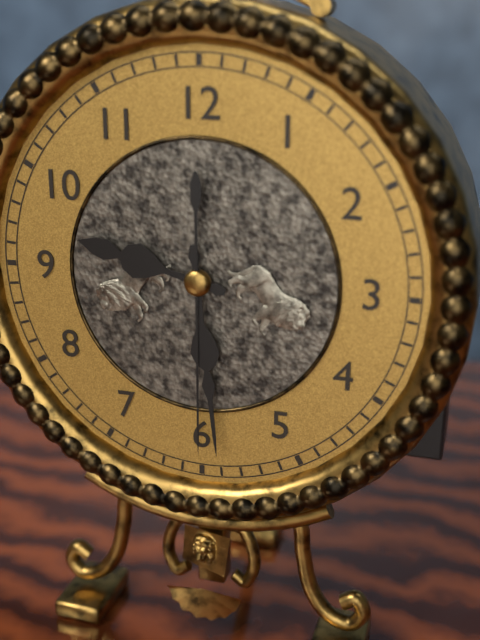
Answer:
**9:29:30**
